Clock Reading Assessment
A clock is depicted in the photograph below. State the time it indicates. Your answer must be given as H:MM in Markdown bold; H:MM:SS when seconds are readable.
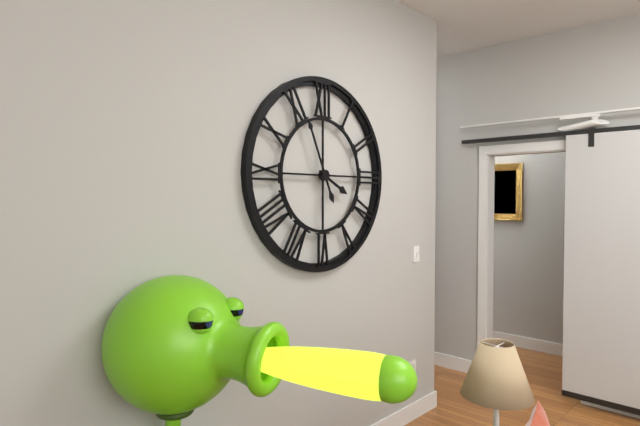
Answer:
**3:56**
